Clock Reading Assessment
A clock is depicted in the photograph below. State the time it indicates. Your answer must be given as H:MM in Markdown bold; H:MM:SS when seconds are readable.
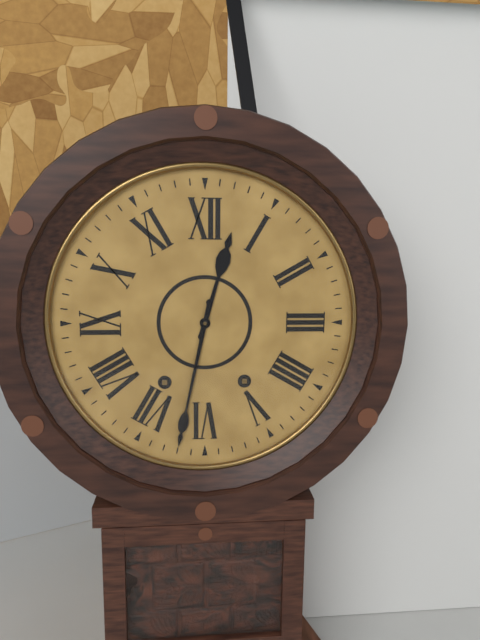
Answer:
**12:32**
